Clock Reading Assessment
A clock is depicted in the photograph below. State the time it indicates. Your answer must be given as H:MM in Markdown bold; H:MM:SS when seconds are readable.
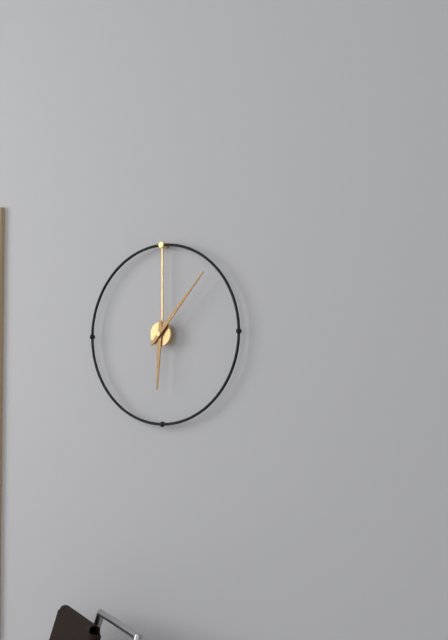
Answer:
**6:07**
